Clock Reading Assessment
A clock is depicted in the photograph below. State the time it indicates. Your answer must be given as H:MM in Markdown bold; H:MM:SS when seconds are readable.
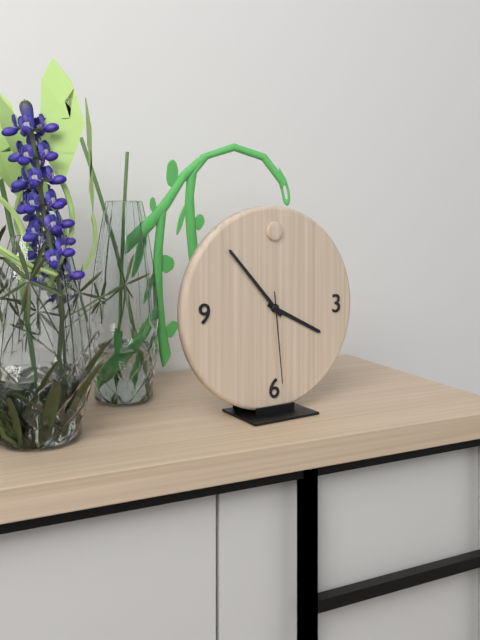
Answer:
**3:53:29**
